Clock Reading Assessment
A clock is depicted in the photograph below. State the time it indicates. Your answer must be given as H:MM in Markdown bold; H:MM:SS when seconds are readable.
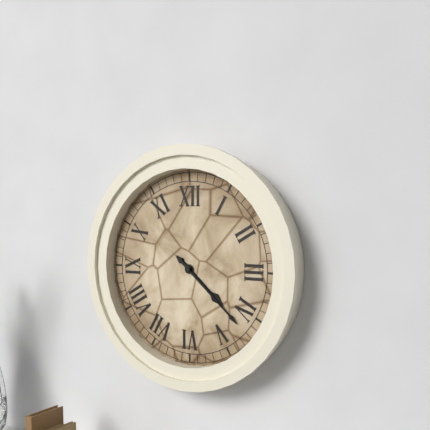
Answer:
**4:22**
